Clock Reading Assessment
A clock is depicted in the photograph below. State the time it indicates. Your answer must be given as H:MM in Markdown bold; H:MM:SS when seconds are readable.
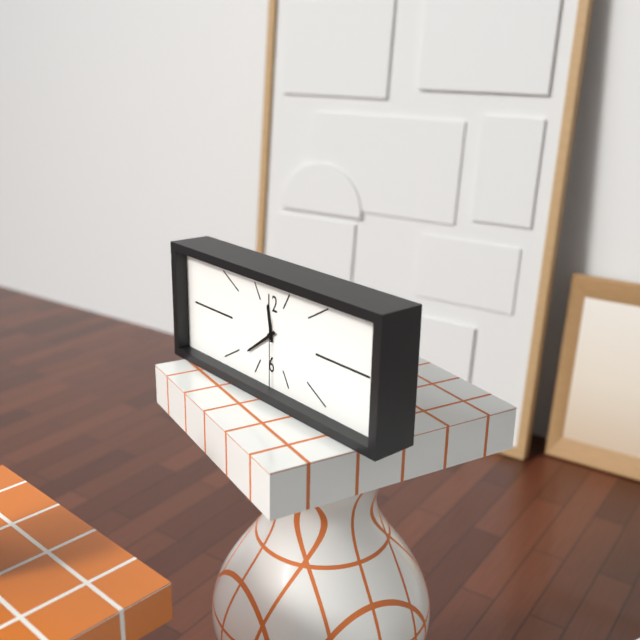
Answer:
**11:39:30**
